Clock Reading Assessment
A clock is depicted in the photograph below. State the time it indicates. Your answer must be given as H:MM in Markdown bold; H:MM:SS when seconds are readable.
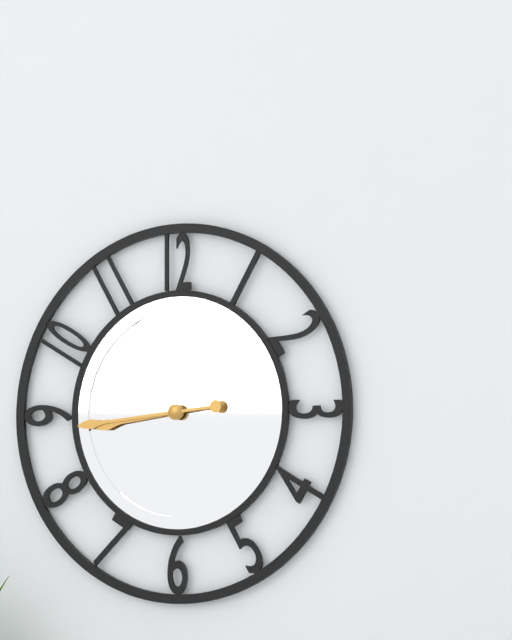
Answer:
**8:44**
